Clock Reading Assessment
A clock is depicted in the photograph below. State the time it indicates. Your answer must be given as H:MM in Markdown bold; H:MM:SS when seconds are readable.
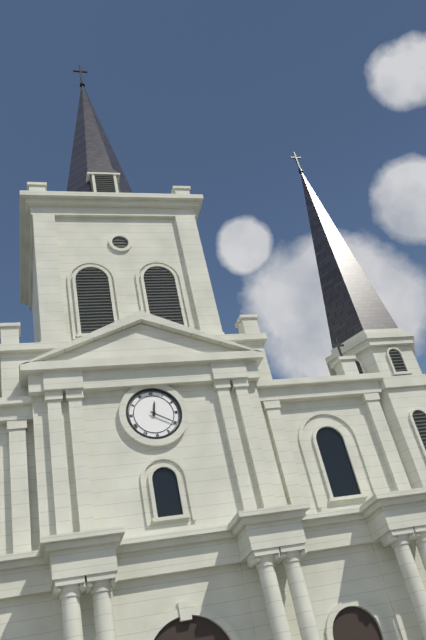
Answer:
**12:20**
